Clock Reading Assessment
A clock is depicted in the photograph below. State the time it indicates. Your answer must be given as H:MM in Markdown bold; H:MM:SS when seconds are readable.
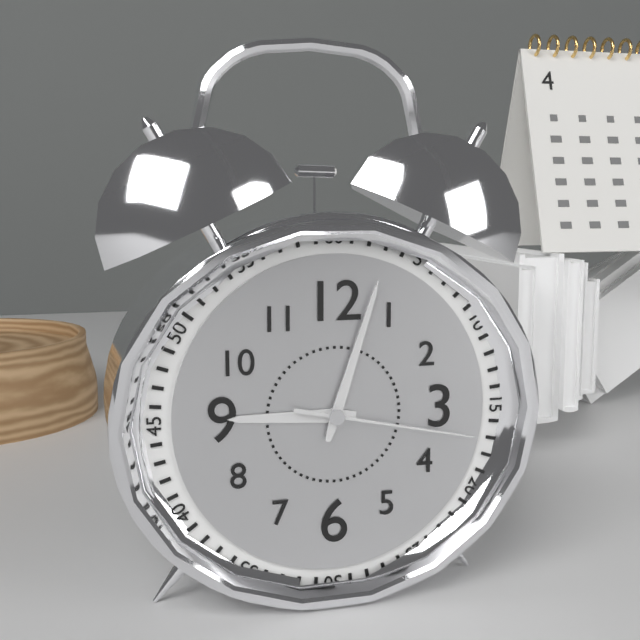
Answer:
**9:03:17**
